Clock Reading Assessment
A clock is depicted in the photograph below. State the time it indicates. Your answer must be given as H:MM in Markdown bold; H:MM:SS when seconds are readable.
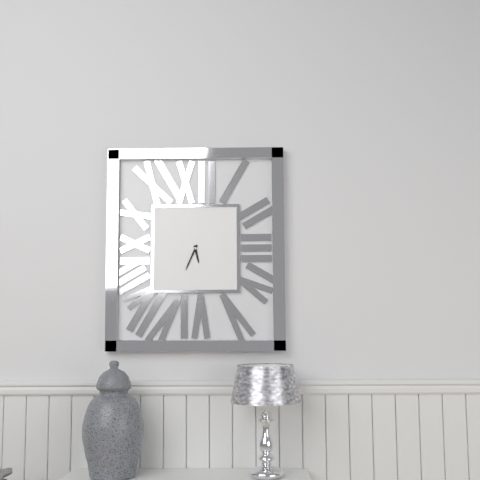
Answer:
**5:34**
